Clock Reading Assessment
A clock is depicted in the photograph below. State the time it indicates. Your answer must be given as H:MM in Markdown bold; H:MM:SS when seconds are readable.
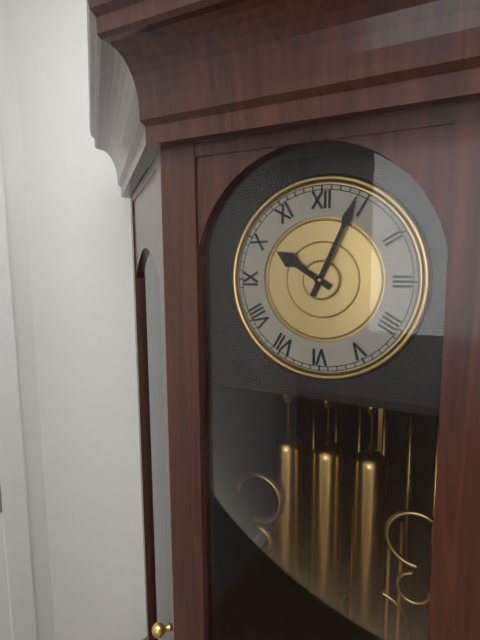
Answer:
**10:04**
